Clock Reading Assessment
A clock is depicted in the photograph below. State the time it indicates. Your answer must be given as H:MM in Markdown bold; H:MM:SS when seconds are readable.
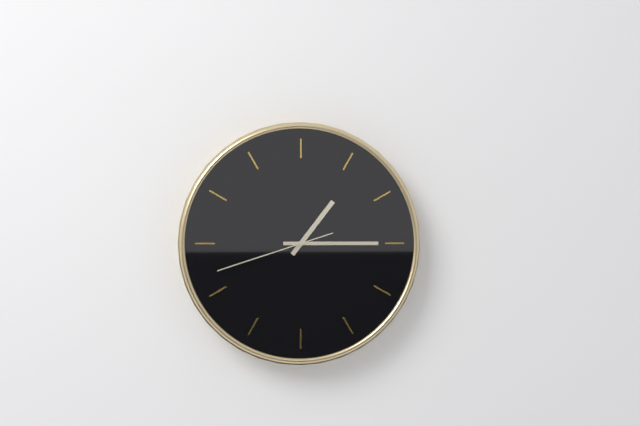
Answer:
**1:15:42**
